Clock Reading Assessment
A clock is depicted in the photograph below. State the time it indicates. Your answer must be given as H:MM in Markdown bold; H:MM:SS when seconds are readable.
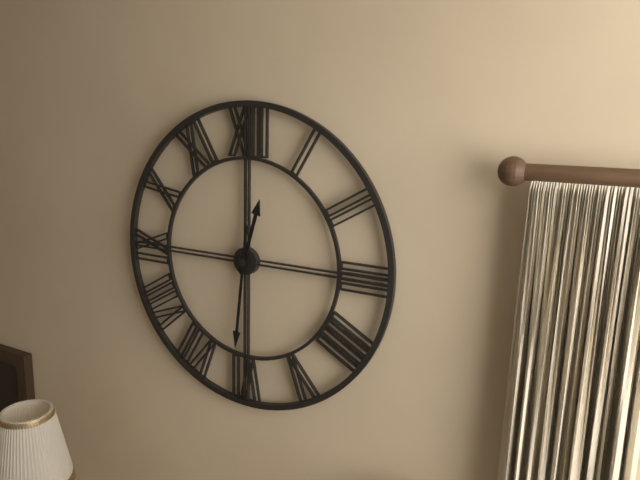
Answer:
**12:31**
